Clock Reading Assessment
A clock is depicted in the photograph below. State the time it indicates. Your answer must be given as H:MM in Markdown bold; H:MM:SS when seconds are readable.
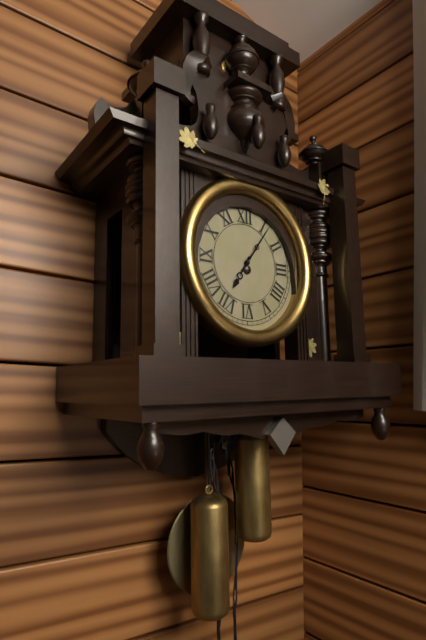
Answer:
**7:06**
